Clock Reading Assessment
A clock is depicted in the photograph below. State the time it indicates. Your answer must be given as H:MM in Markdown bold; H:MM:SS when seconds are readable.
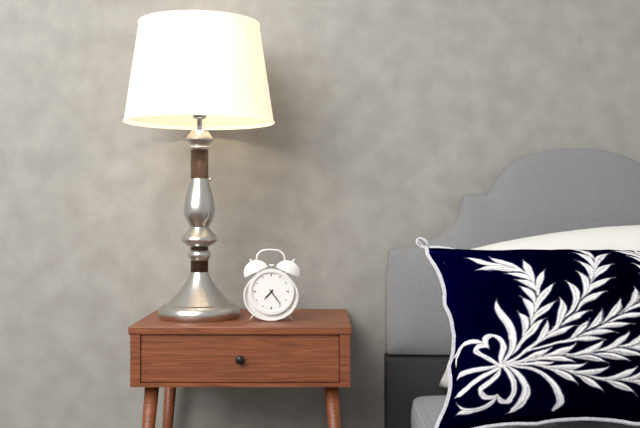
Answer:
**7:24**
